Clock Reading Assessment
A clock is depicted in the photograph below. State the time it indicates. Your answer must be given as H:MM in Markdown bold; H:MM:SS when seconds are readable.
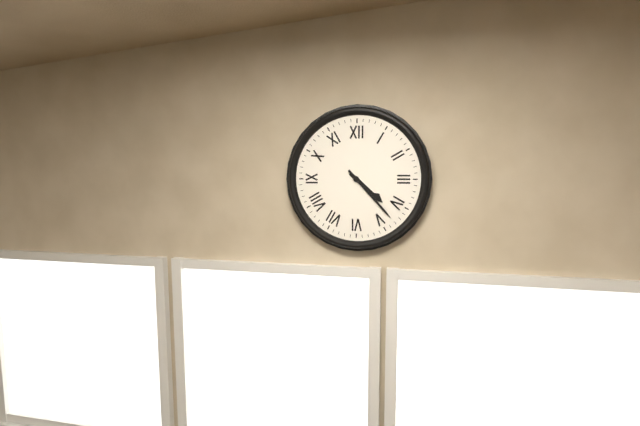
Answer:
**4:23**
